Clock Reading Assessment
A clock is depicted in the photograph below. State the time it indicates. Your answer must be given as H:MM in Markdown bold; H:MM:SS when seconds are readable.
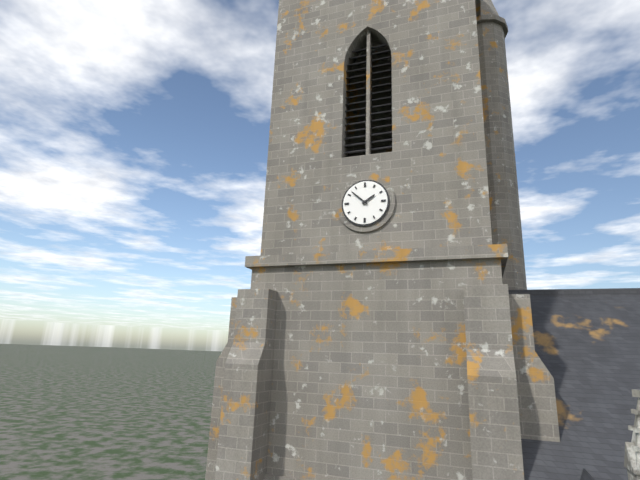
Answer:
**1:52**
